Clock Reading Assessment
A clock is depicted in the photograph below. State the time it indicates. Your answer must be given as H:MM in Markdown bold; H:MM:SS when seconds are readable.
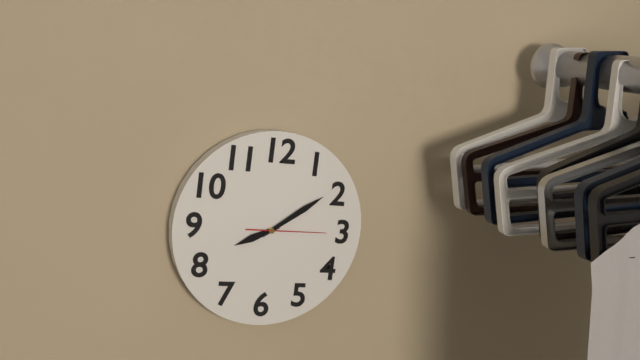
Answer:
**8:09:15**
